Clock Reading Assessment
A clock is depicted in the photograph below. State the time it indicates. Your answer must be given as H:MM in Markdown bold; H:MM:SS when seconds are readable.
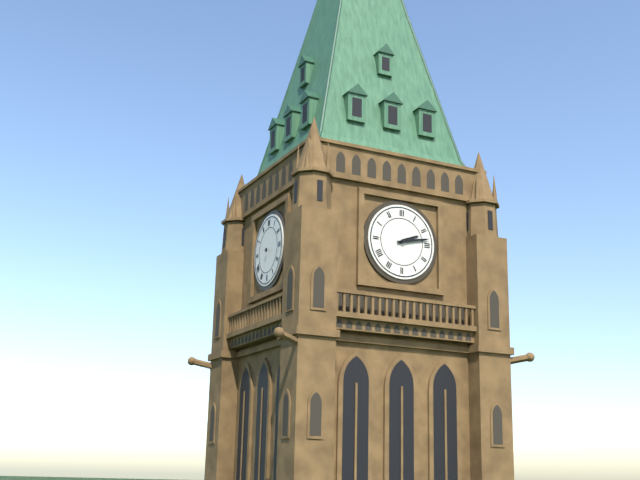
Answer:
**2:13**
